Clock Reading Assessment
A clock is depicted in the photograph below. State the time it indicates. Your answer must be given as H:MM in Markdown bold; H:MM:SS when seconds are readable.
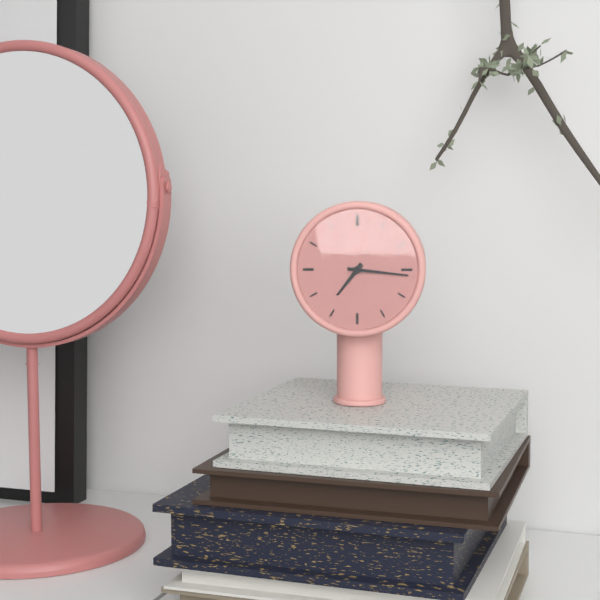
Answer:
**7:16**
